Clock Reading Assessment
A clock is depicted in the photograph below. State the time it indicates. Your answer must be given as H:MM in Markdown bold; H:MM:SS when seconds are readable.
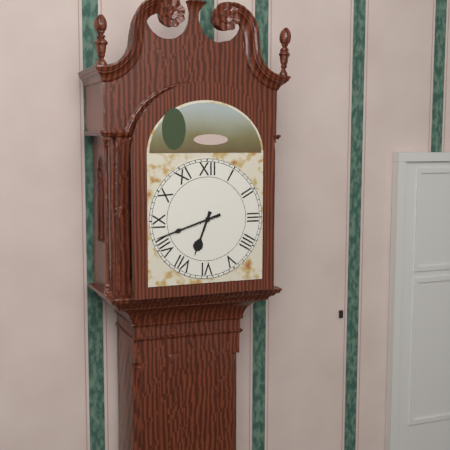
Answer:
**6:42**
